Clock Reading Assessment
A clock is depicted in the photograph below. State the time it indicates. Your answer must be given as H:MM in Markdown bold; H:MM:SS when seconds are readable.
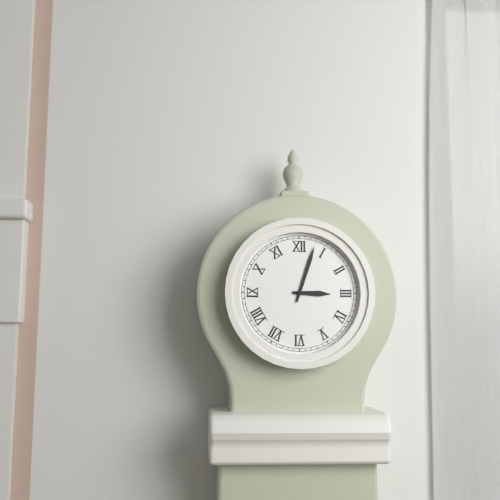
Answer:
**3:03**
